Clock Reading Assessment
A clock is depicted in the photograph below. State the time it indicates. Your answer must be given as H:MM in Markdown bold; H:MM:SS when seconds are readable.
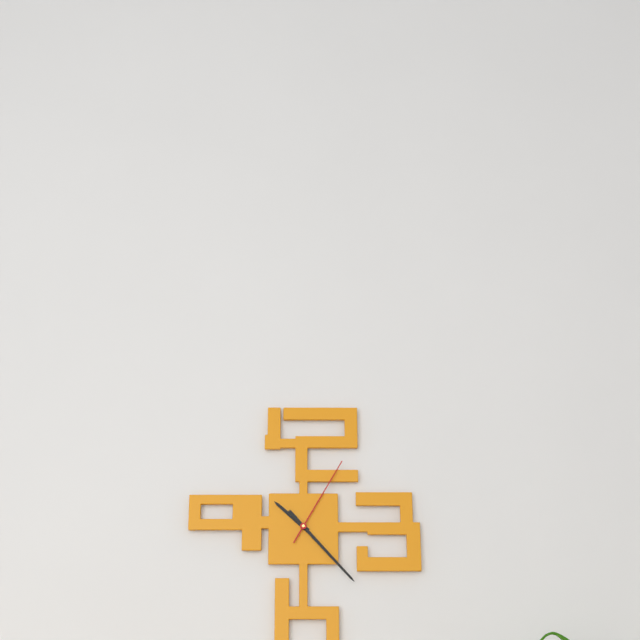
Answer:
**10:23:05**
